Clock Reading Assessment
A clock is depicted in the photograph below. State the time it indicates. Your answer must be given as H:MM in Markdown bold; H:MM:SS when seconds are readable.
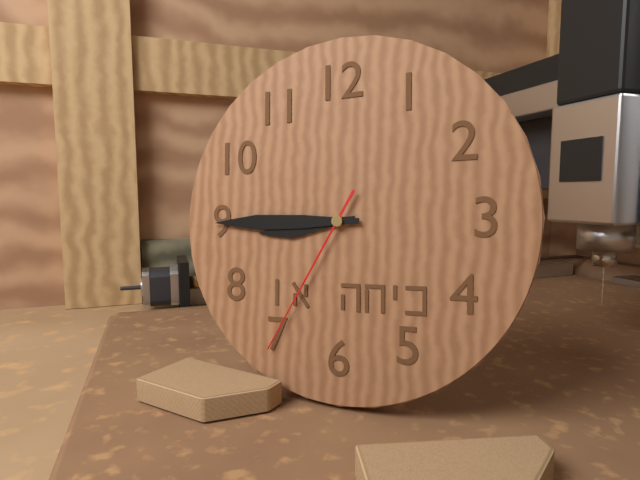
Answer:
**8:45:35**
